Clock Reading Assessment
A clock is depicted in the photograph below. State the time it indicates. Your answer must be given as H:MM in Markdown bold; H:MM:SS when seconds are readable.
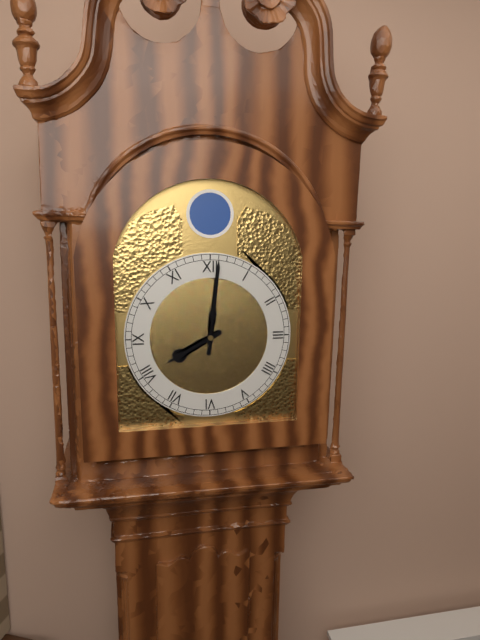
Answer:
**8:01**
